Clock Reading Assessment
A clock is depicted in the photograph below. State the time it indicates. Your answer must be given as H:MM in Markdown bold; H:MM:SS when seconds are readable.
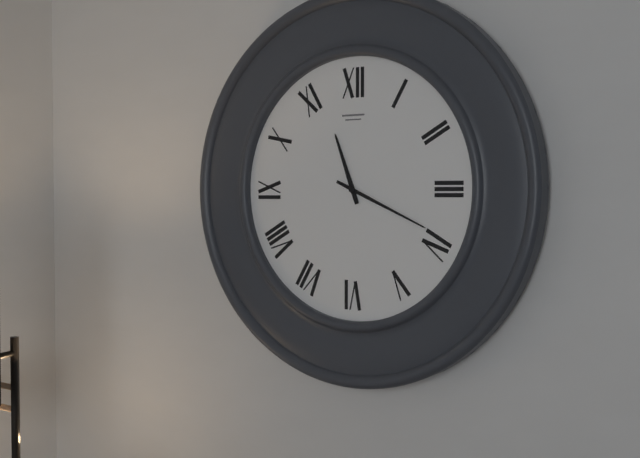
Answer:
**11:19**
